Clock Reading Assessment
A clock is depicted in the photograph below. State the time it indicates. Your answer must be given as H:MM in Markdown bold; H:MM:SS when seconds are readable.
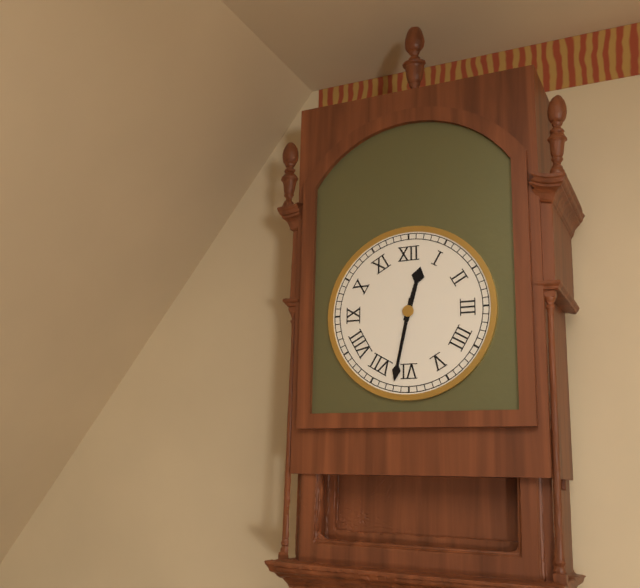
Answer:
**12:32**
